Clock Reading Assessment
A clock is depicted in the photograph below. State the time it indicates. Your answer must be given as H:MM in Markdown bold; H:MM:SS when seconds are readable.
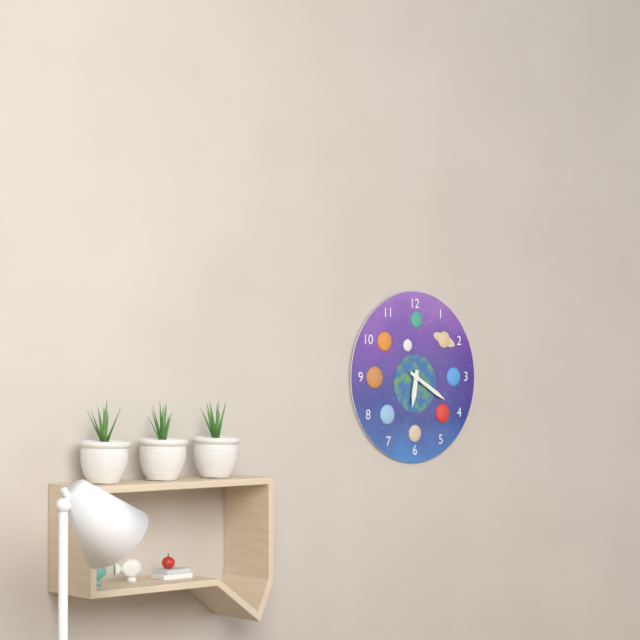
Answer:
**6:20**
